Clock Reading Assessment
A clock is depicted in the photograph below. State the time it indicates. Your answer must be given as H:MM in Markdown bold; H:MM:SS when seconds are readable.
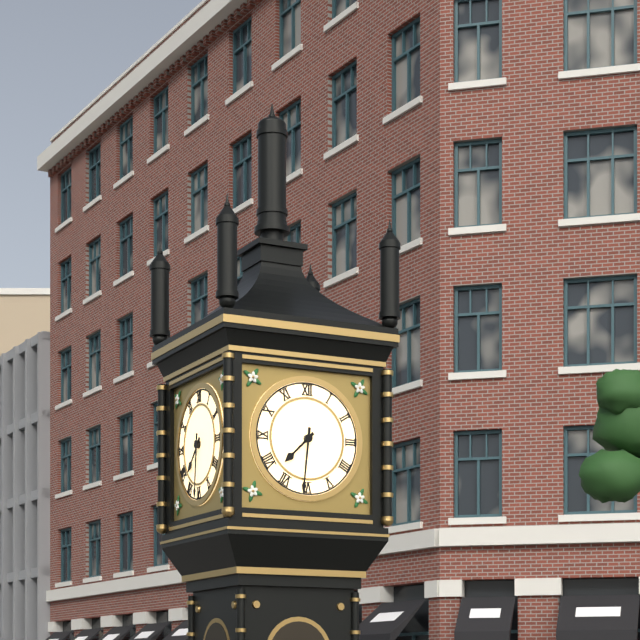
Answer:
**7:31**
